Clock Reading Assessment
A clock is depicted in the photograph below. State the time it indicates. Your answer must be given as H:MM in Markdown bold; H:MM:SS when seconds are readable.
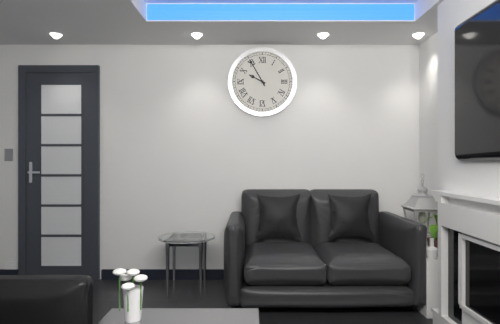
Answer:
**9:55**
